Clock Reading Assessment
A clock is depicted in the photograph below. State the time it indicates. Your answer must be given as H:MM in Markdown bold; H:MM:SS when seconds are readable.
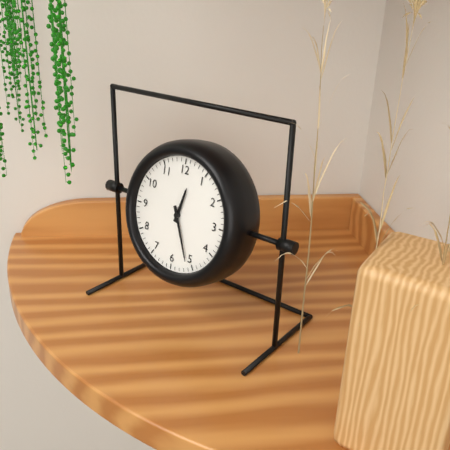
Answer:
**12:26**
